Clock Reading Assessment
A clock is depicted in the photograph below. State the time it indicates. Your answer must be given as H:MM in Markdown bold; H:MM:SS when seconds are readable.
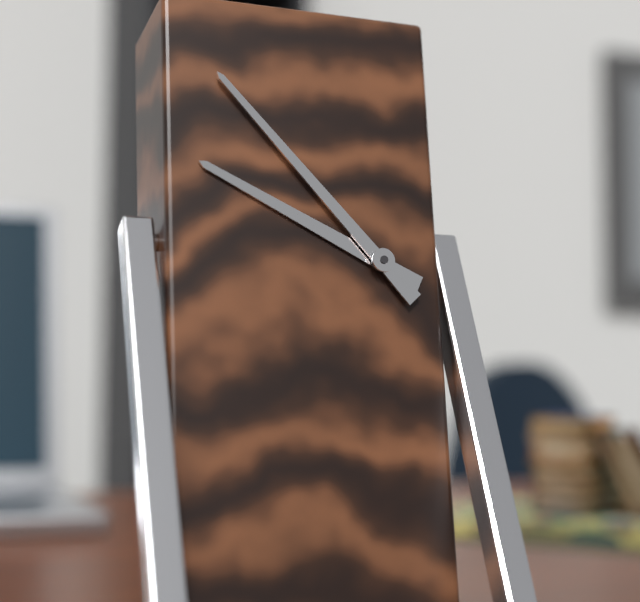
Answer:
**9:53**
